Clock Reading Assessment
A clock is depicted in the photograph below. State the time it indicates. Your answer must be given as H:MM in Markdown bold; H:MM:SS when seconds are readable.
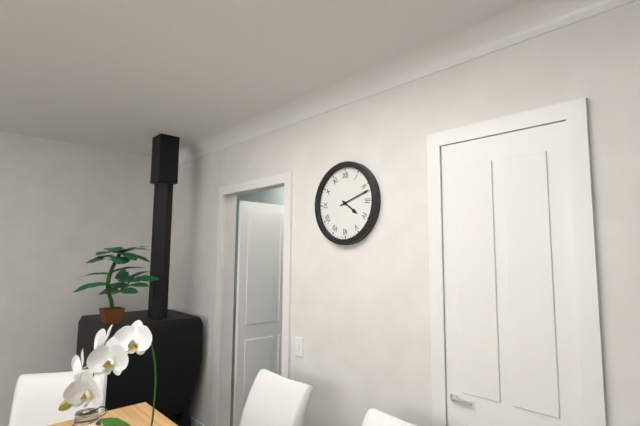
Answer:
**4:12**
